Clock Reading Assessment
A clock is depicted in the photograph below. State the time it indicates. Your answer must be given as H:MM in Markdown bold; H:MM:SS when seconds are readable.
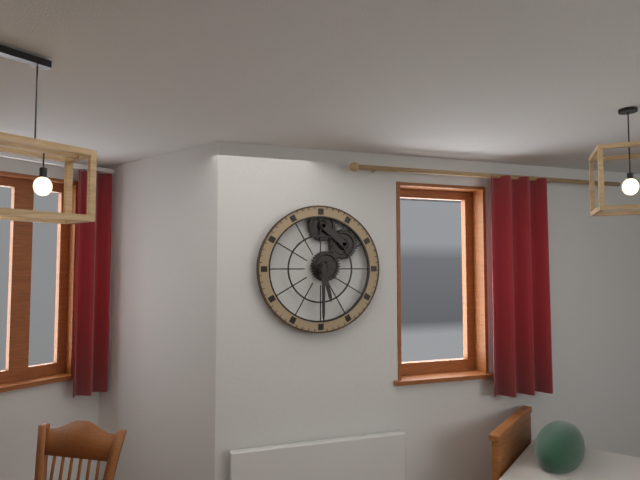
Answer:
**5:30**
